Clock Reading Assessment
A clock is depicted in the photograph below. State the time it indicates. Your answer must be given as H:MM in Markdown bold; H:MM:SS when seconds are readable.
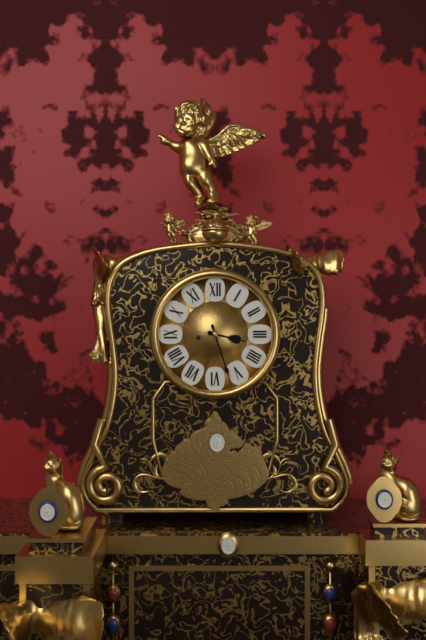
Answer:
**3:27**
